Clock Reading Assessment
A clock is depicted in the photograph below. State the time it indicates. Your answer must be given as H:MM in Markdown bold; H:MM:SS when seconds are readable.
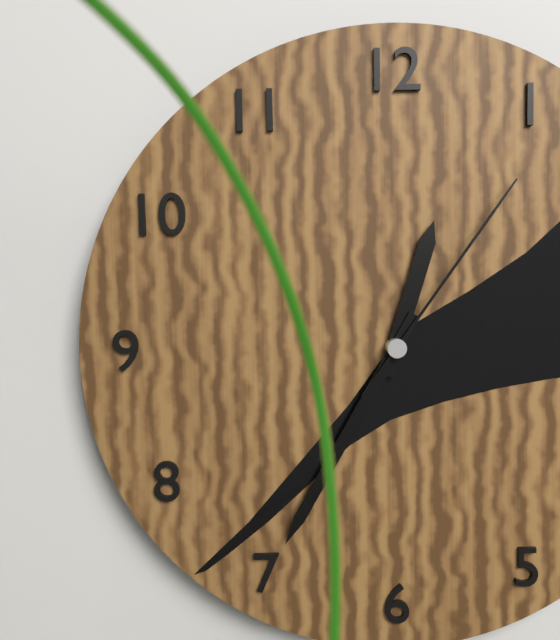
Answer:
**12:35:06**
